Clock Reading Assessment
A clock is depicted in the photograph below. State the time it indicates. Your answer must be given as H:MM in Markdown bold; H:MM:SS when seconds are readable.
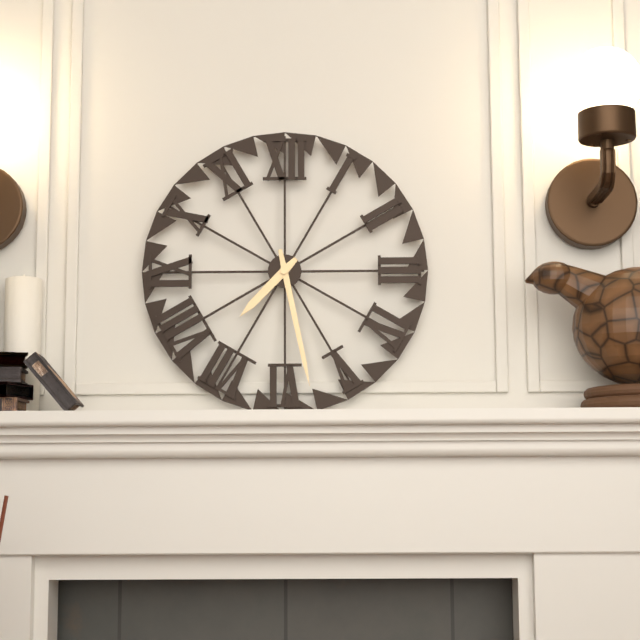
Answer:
**7:28**
